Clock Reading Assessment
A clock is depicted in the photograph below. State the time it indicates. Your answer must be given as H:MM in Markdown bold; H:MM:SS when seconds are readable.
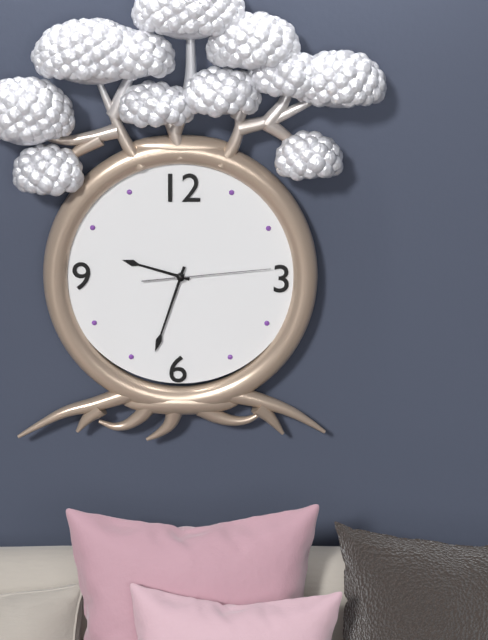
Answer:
**9:33:14**
